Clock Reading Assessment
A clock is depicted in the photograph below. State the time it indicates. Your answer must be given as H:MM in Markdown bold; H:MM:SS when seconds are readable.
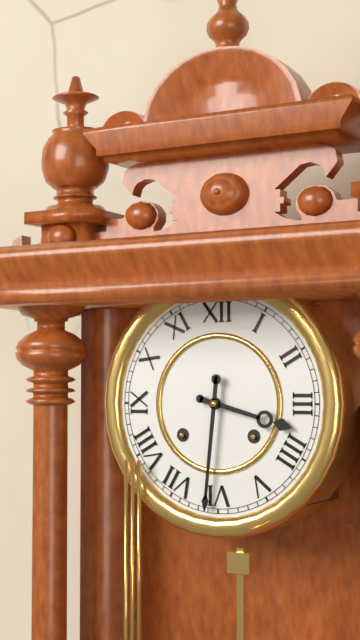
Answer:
**3:31**
